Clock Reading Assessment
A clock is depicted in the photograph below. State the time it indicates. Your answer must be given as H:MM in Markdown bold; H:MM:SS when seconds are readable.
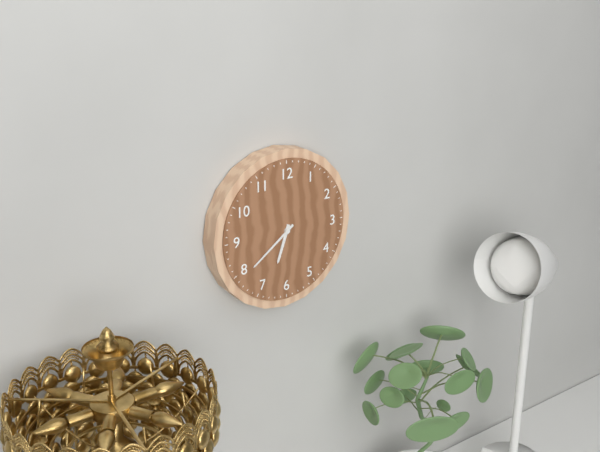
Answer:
**6:39**
